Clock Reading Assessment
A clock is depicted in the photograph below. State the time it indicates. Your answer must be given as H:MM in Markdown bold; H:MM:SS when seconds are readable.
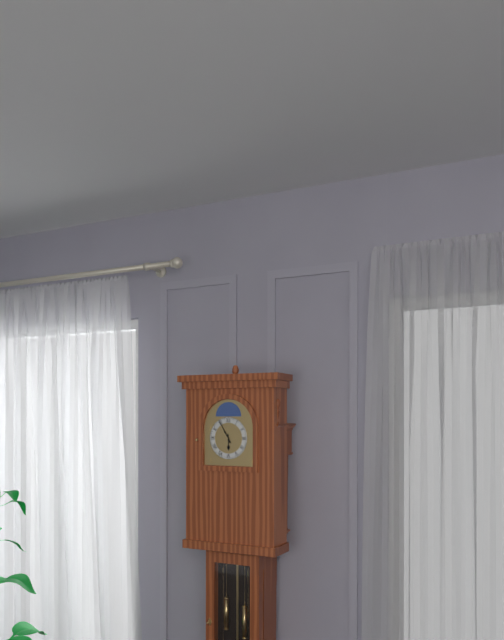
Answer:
**5:55**
